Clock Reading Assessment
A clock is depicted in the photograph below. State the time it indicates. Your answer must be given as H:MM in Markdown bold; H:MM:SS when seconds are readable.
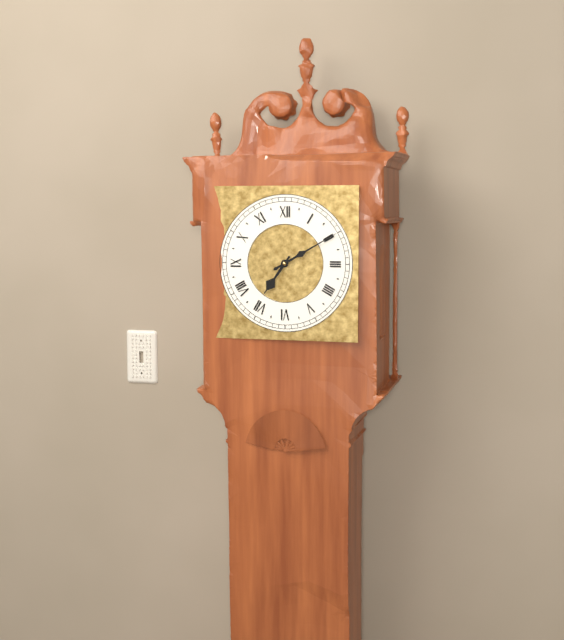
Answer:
**7:10**
